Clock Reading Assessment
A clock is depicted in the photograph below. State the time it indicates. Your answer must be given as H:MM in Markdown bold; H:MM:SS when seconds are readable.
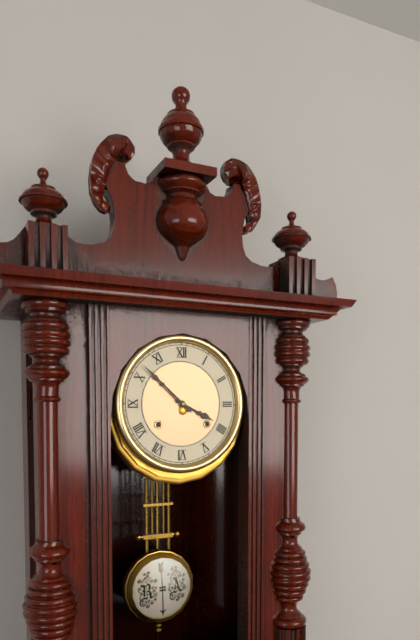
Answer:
**3:52**
